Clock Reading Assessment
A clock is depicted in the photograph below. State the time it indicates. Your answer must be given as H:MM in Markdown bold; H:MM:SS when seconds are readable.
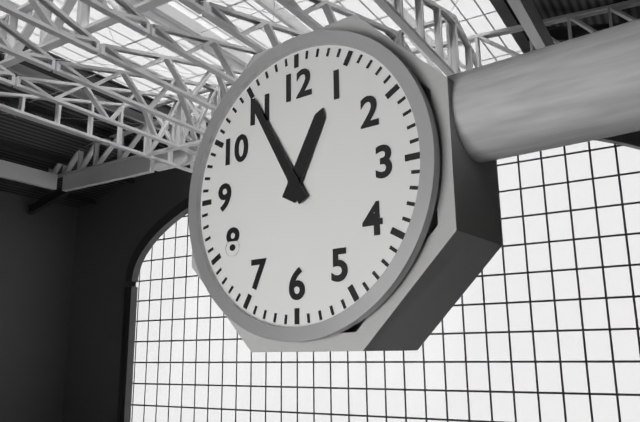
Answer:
**12:55**
